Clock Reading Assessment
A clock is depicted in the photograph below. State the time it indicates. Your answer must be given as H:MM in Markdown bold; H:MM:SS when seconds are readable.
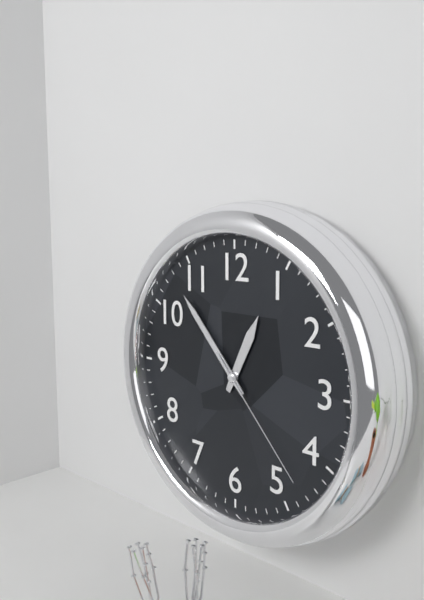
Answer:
**12:53:23**
